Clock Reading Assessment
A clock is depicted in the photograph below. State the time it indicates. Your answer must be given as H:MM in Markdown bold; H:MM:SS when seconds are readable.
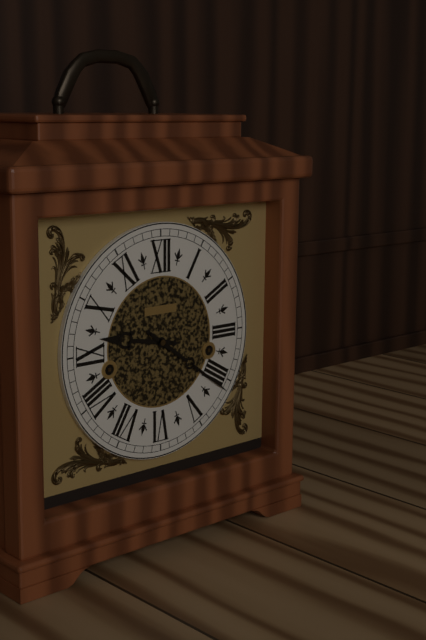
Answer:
**9:21**
